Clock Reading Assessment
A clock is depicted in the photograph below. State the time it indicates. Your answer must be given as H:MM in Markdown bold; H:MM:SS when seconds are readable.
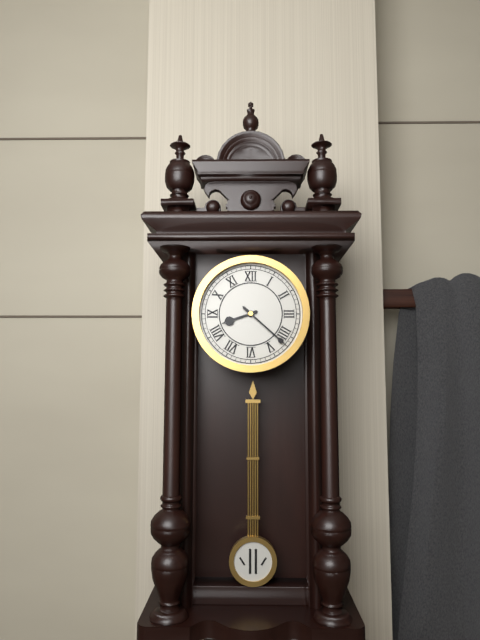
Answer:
**8:22**
